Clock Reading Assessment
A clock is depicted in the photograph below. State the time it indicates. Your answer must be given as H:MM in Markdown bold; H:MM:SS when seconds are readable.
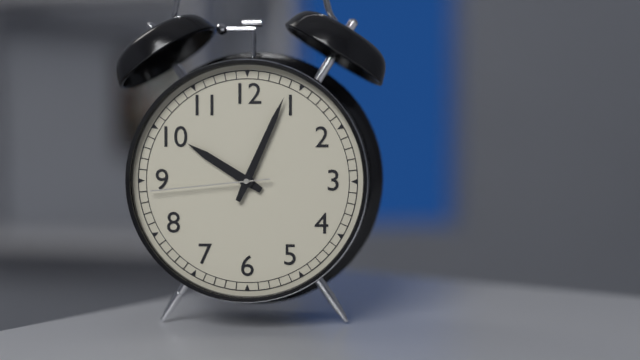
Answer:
**10:04:44**
